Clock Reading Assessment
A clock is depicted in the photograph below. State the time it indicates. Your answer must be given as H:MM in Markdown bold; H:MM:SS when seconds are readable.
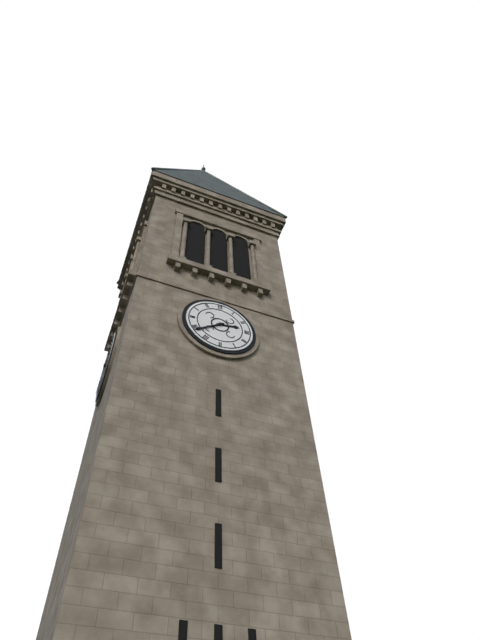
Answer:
**2:39**
